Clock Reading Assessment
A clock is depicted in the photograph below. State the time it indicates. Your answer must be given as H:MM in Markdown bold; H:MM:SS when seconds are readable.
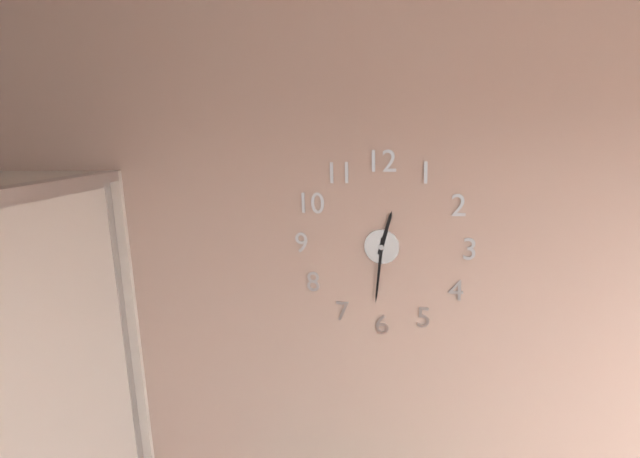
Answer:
**12:31**
